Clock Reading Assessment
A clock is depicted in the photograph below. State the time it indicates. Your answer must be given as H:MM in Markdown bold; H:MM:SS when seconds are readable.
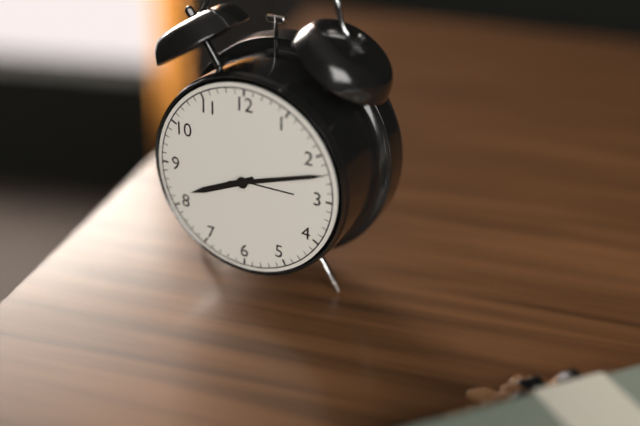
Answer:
**8:12**
